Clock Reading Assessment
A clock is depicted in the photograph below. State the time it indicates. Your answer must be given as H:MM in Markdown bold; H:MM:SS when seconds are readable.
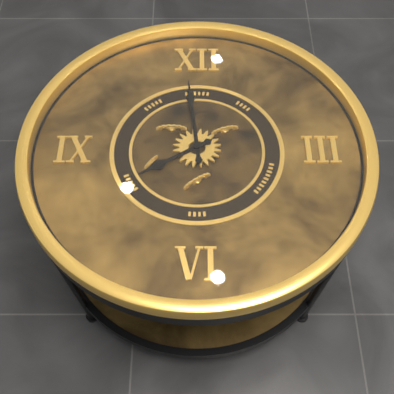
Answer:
**7:59**
